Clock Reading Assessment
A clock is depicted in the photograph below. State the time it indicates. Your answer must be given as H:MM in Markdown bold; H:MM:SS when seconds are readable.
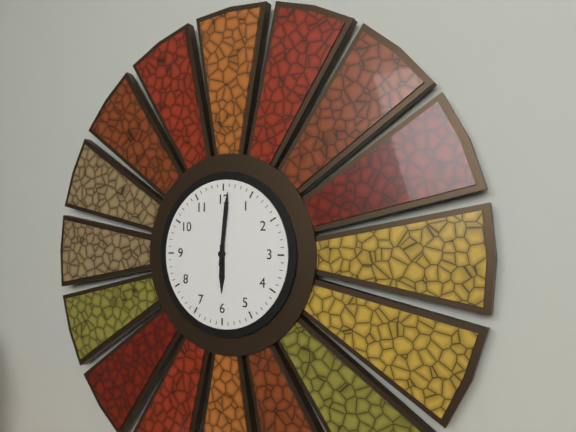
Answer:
**6:01**
